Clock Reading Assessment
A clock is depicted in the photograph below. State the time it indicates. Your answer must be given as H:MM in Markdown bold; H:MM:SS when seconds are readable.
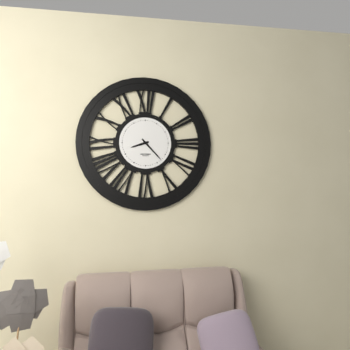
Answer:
**8:23**
